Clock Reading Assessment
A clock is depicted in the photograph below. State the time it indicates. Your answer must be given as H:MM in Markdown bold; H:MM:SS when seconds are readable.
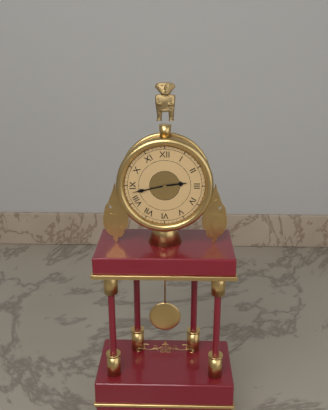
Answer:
**2:43**
